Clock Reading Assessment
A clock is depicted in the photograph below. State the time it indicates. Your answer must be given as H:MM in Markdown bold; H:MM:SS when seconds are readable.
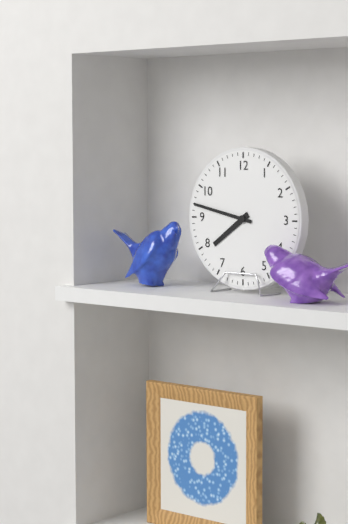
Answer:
**7:47**
